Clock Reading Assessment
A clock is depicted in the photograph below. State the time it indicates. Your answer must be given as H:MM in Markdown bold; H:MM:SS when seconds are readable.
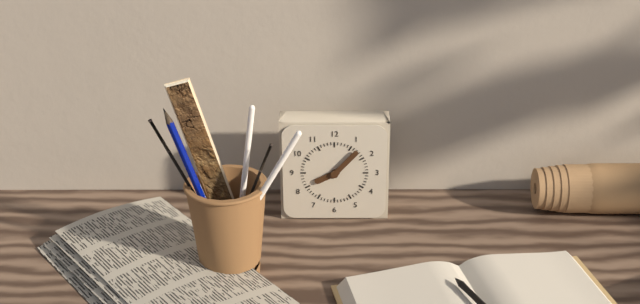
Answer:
**8:07**
